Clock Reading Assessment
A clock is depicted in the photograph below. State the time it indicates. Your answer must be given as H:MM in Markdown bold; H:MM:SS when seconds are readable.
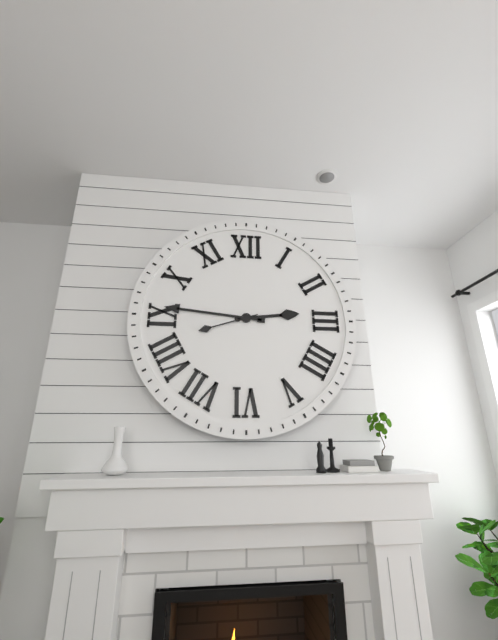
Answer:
**2:46:42**
